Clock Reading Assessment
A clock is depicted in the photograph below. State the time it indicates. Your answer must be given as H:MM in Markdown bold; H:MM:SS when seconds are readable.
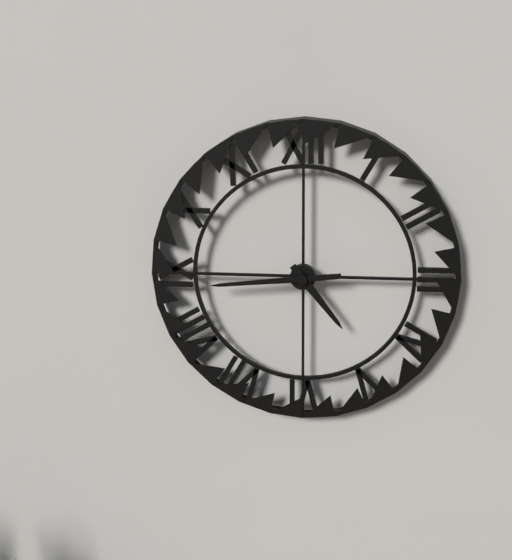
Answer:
**4:44**
